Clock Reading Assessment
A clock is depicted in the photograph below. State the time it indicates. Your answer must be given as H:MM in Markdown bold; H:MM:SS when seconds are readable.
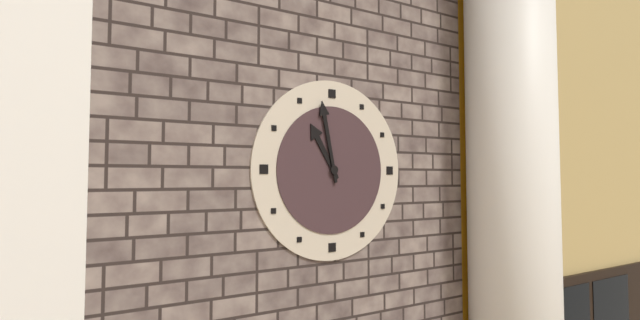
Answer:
**10:58**
